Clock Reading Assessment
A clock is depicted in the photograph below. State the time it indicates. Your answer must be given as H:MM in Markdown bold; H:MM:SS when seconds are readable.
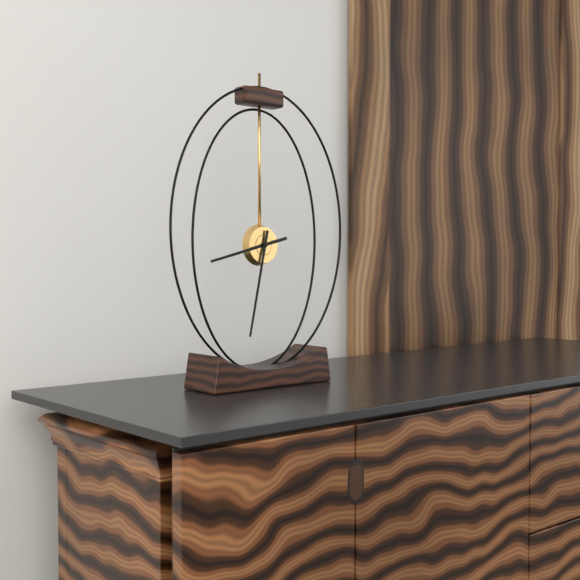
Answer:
**8:32**
